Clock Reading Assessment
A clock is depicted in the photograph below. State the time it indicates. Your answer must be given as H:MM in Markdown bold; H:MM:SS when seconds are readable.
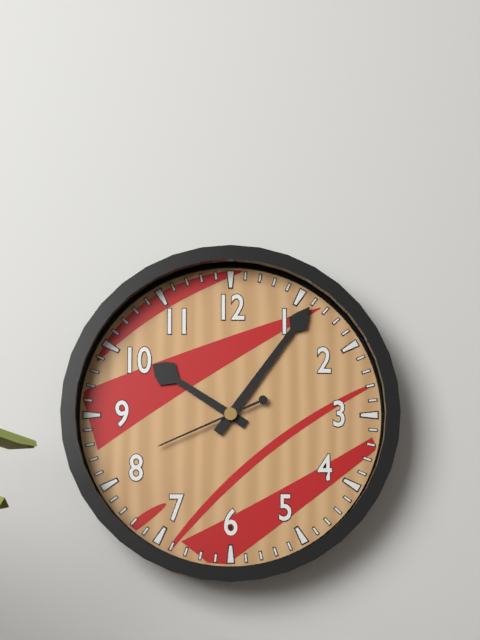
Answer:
**10:06:41**
